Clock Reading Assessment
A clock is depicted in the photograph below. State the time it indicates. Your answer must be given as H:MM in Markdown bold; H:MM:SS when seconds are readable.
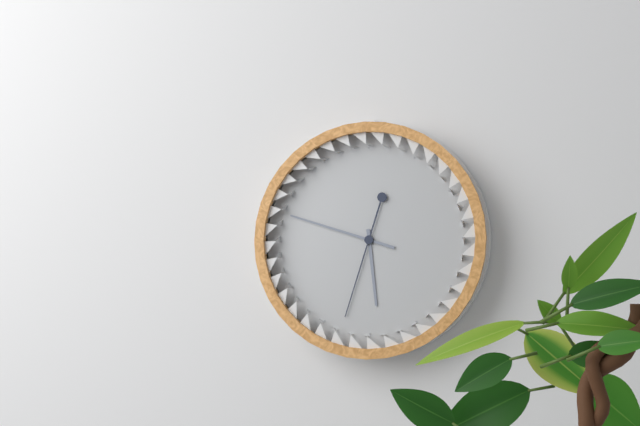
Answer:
**5:48:33**
